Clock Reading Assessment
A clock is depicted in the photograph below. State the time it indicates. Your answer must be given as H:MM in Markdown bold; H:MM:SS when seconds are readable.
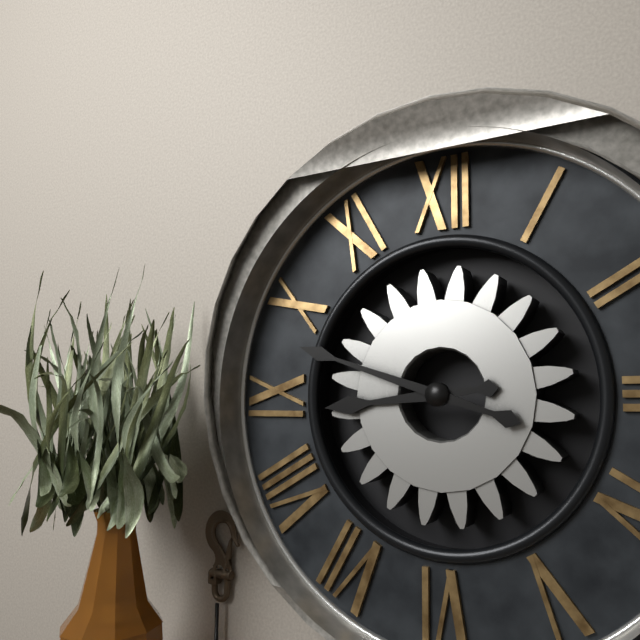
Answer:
**8:48**
